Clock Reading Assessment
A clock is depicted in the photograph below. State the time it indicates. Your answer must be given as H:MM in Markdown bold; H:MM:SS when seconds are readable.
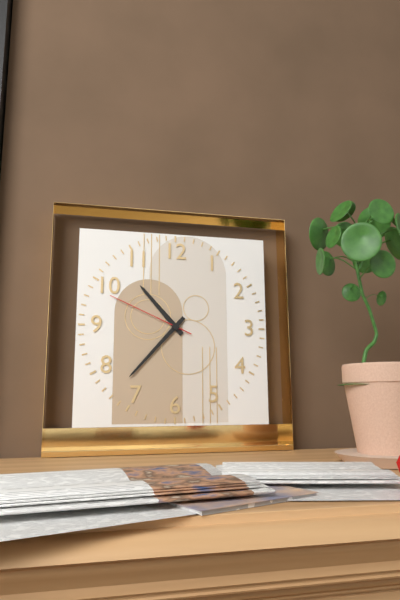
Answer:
**10:37:49**
